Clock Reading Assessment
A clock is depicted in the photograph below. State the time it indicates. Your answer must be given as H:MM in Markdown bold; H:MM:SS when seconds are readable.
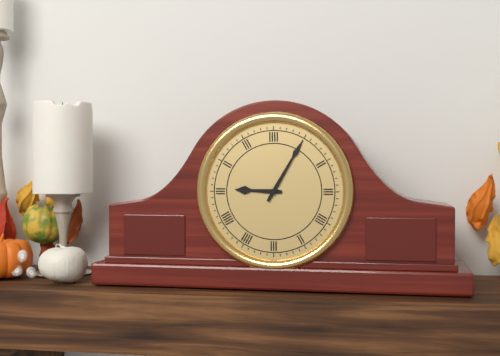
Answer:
**9:05**
